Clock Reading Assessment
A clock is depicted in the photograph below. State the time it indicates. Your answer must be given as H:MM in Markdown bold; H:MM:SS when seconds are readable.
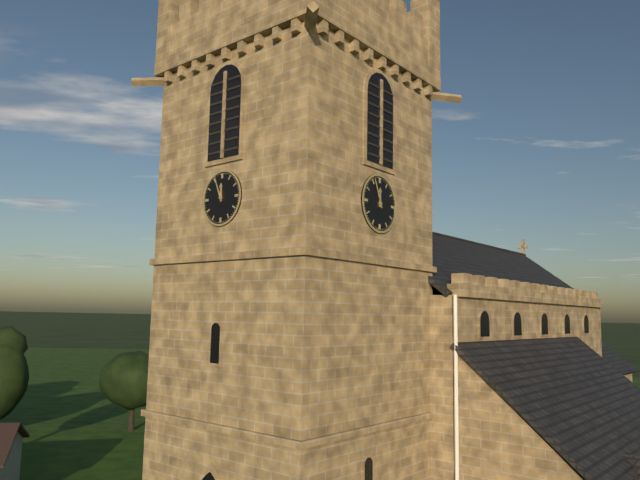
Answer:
**11:56**
